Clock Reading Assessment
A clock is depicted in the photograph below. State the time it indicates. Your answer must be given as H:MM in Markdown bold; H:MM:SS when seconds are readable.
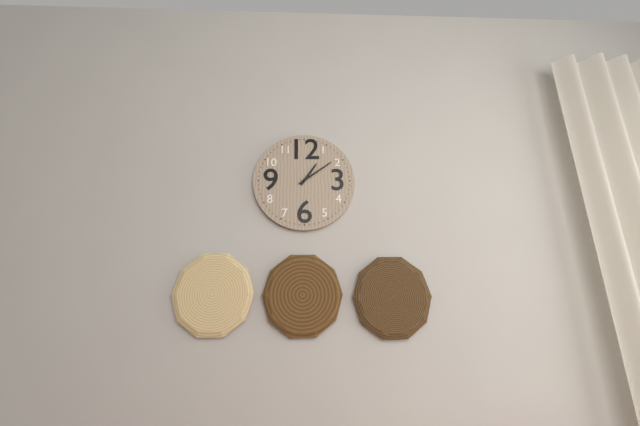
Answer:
**1:09**
